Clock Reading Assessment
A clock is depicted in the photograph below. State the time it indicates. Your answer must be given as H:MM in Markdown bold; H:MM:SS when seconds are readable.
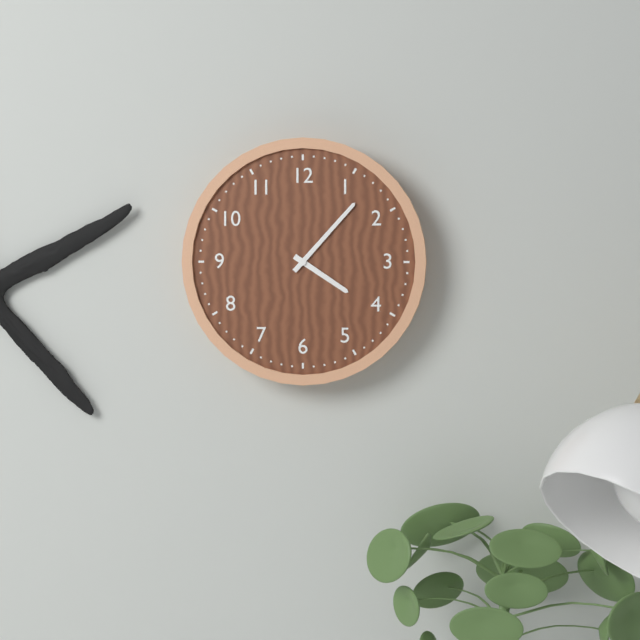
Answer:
**4:07**
